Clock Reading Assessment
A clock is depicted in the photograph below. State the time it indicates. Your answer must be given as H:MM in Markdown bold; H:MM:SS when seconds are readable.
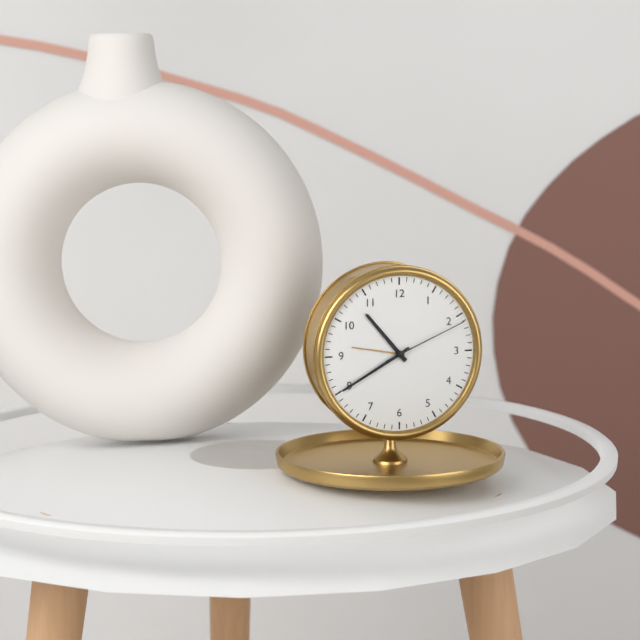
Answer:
**10:40:11**
